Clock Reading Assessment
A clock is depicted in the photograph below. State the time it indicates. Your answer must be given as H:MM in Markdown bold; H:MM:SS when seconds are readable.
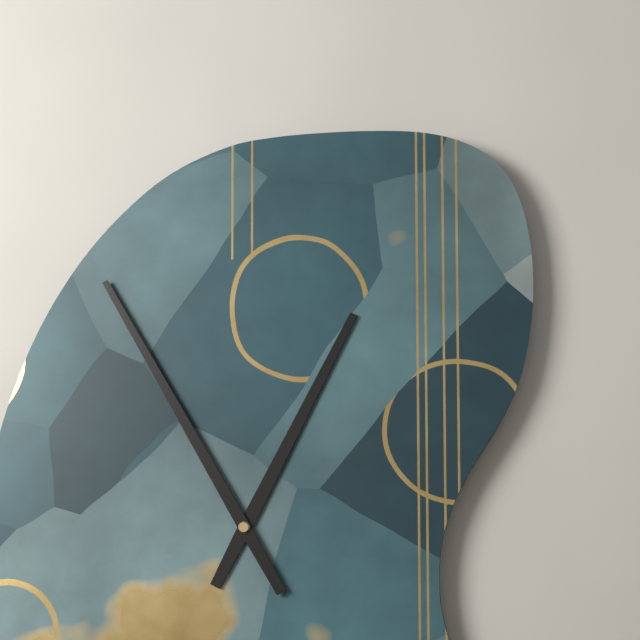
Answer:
**12:55**
